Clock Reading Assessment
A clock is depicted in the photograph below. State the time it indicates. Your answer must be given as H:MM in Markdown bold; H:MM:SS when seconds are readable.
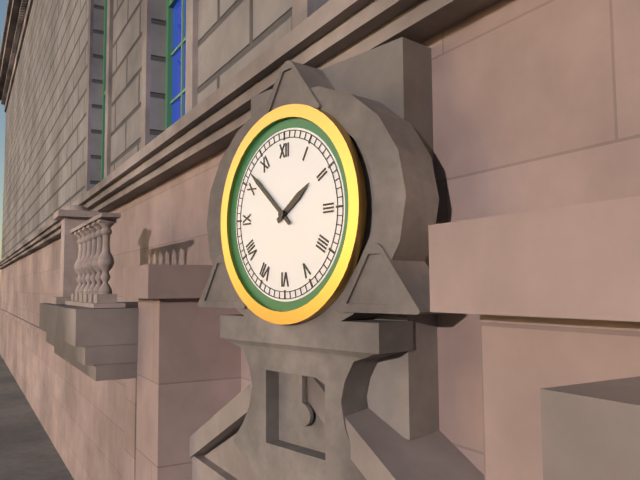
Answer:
**1:52**
